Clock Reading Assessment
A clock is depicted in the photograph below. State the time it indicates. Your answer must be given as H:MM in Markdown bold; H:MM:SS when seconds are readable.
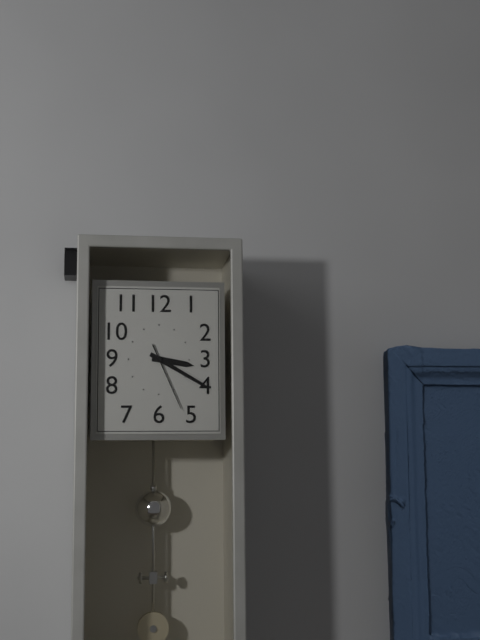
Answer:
**3:20:26**
